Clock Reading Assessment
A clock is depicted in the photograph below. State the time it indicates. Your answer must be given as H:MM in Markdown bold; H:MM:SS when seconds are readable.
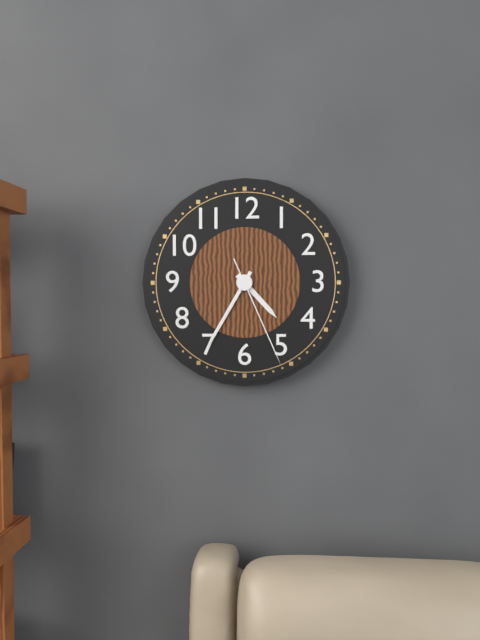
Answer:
**4:35:26**
